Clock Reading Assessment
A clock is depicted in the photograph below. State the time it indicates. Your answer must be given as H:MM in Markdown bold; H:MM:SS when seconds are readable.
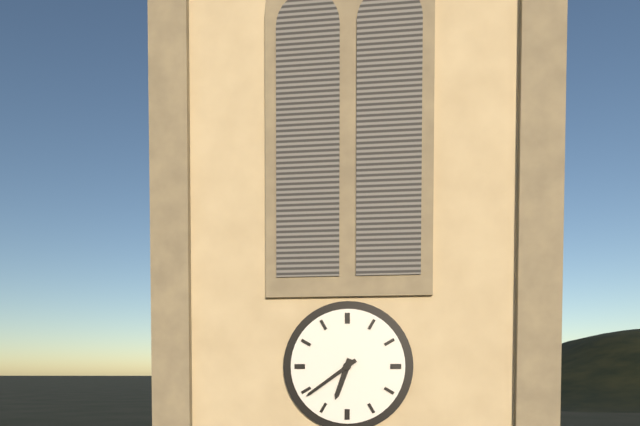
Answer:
**6:39**
